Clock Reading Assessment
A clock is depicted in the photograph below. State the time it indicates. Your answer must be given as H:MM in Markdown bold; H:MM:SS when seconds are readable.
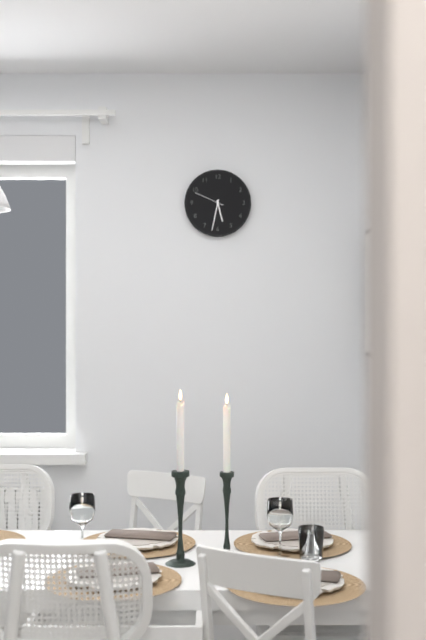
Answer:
**5:32**
